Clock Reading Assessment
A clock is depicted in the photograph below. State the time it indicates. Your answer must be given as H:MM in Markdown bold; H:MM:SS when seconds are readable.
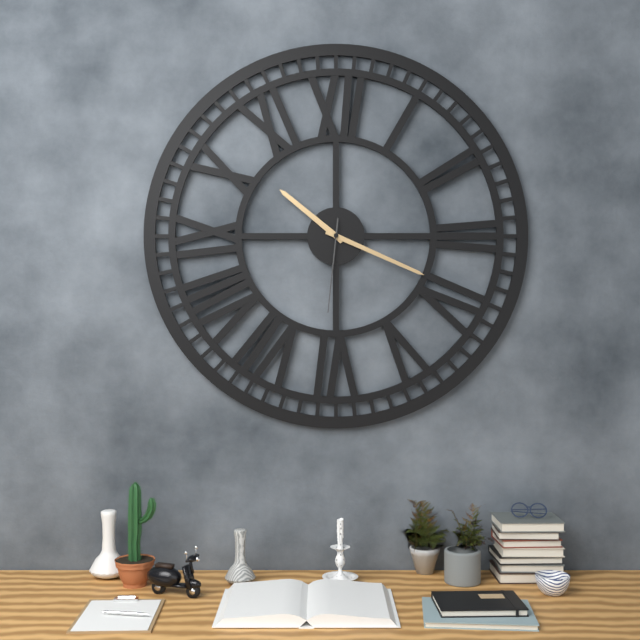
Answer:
**10:19:31**
